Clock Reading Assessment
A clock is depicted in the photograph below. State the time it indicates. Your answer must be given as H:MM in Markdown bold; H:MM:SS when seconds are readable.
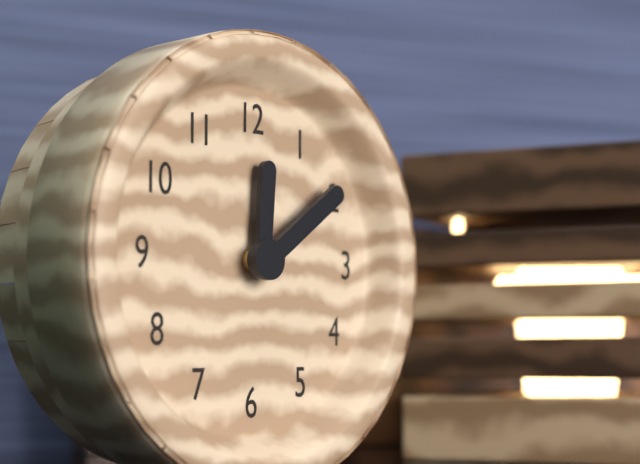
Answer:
**12:09**
